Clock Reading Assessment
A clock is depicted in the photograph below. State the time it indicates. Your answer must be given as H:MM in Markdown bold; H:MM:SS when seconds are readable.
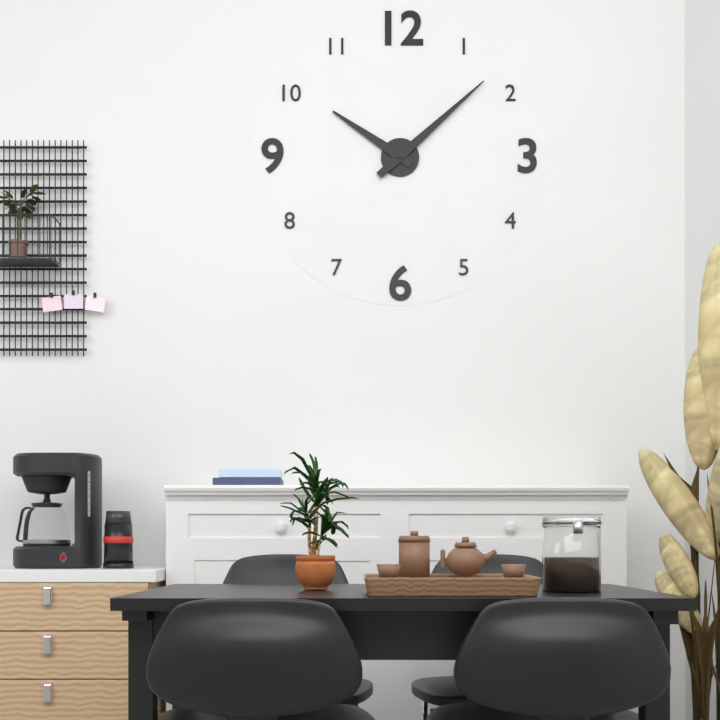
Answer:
**10:08**
